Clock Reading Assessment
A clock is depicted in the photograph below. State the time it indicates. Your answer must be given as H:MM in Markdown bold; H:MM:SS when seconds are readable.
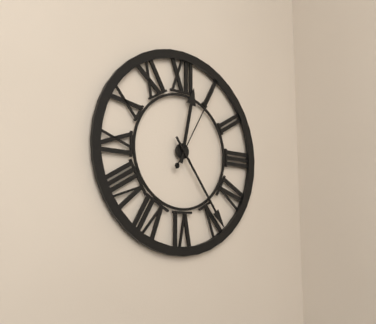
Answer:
**12:24:05**
